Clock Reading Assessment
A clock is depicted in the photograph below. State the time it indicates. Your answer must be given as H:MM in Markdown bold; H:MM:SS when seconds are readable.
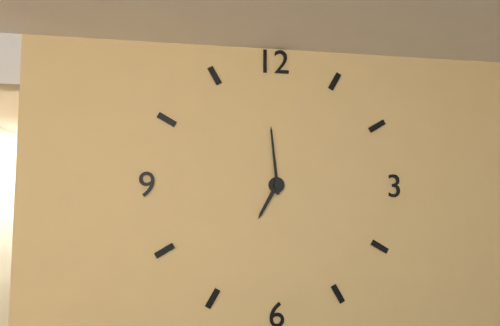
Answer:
**6:59**
